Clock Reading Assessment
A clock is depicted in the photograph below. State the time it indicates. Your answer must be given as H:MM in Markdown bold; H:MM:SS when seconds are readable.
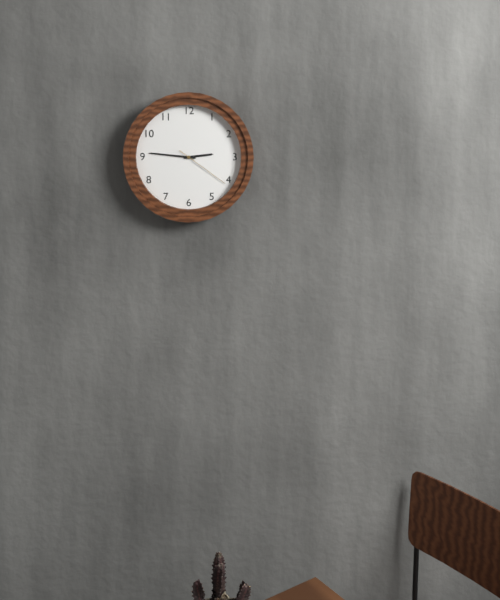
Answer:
**2:46:21**
